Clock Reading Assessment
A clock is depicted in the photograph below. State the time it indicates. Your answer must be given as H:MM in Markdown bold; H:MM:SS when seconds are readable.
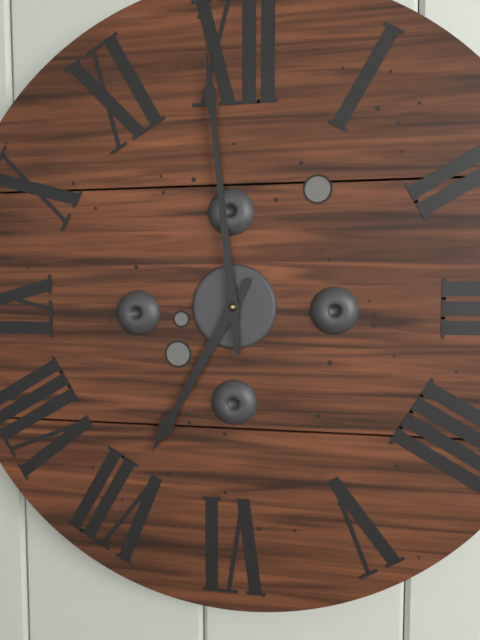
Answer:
**6:59**
